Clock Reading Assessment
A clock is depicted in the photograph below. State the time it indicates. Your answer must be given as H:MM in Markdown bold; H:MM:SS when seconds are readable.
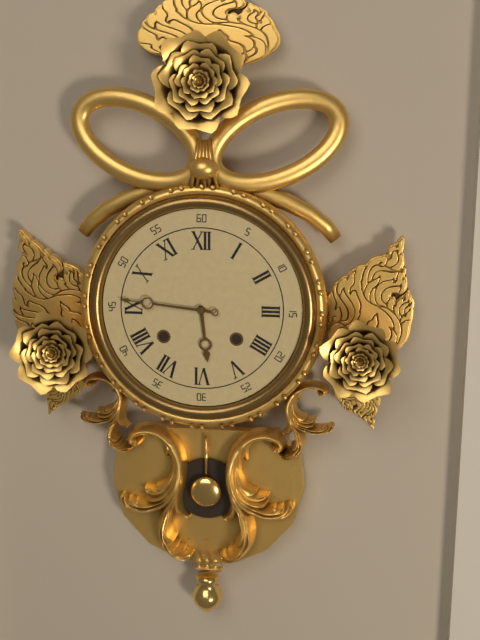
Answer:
**5:46**
